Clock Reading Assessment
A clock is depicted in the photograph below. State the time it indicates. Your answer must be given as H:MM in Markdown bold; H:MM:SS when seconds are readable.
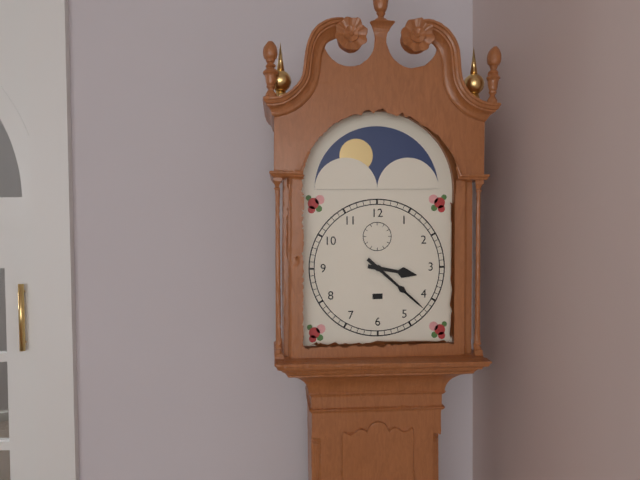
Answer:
**3:22**
